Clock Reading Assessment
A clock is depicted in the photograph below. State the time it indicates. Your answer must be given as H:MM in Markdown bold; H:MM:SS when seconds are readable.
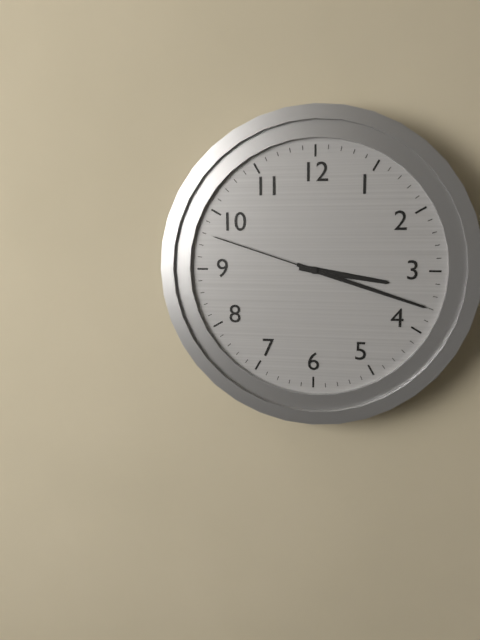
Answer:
**3:18:48**
